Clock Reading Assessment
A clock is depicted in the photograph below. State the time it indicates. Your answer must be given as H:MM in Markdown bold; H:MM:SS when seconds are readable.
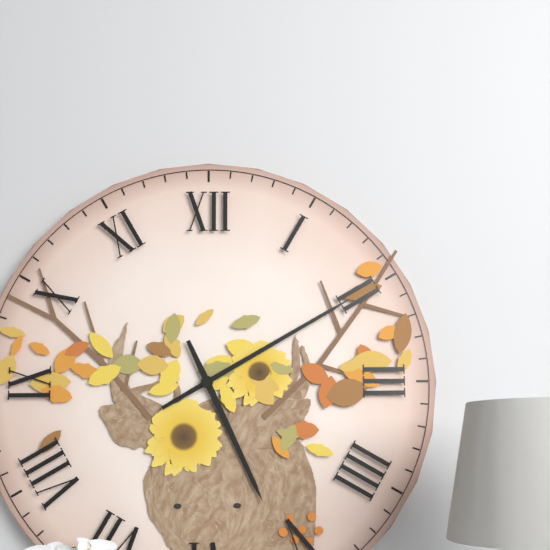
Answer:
**5:10**
